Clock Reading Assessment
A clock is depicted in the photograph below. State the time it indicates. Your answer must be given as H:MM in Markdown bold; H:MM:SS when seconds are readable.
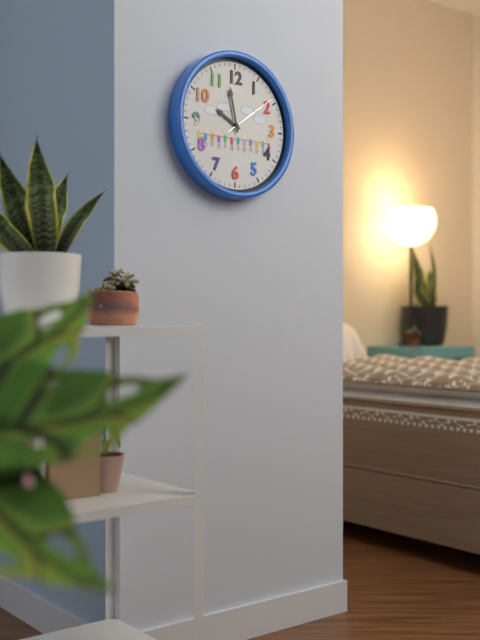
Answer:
**9:58:09**
